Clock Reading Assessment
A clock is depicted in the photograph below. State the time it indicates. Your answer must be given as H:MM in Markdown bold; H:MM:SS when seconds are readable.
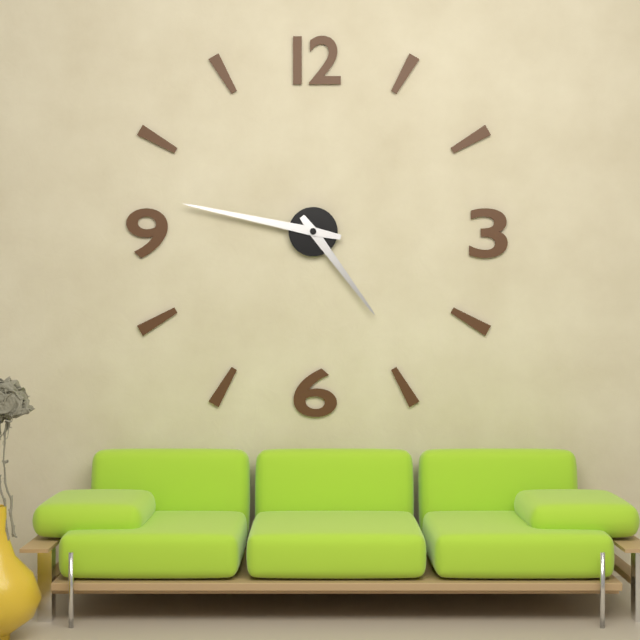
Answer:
**4:47**
